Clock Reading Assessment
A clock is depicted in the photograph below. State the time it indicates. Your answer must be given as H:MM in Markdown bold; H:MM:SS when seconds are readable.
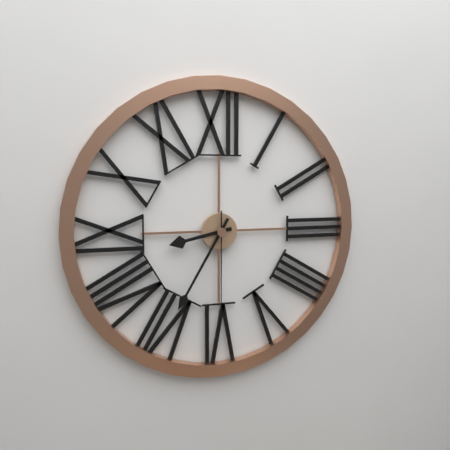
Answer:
**8:35:30**
